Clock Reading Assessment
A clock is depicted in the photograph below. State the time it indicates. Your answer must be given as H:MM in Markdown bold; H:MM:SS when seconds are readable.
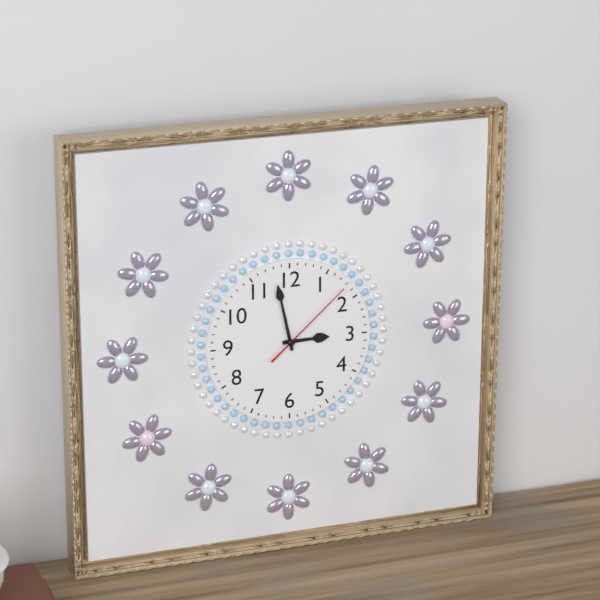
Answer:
**2:58:08**
